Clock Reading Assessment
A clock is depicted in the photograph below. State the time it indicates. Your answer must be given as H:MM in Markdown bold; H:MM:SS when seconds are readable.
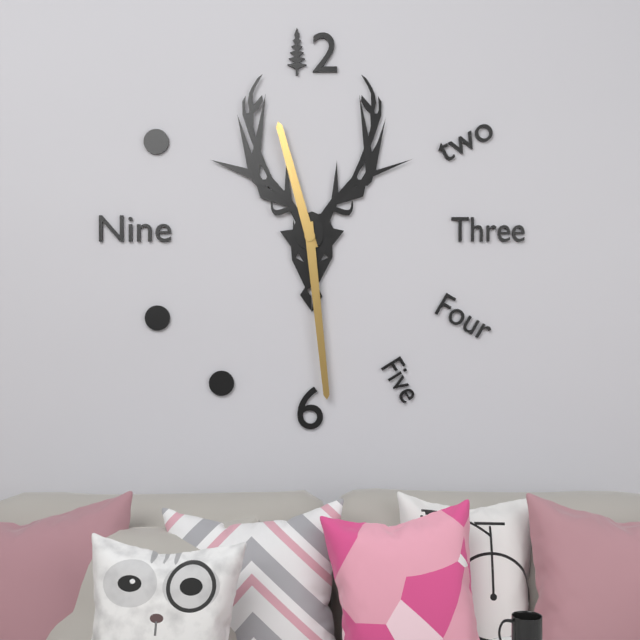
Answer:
**11:29**
